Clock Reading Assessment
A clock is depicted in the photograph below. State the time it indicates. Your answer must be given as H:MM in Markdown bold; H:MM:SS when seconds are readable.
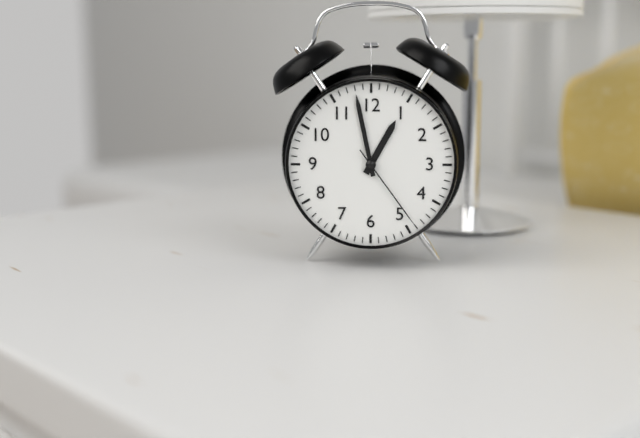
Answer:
**12:58:24**
